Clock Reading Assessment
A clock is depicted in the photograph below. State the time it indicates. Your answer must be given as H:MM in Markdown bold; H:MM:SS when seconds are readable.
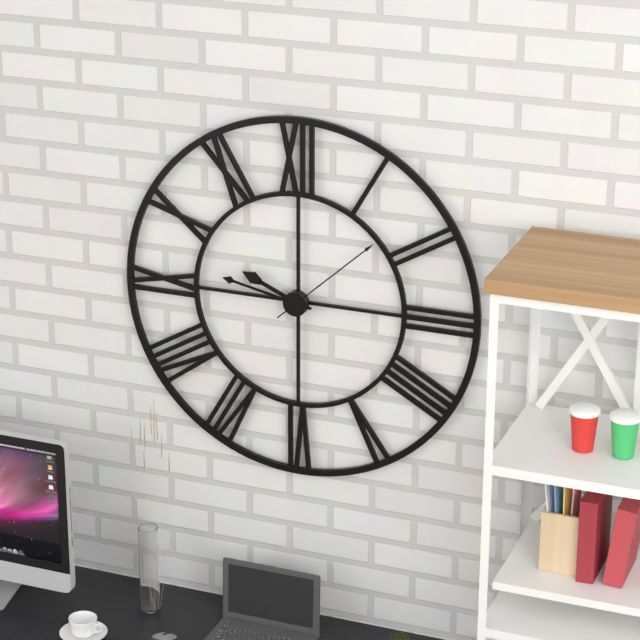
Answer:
**9:47:08**
